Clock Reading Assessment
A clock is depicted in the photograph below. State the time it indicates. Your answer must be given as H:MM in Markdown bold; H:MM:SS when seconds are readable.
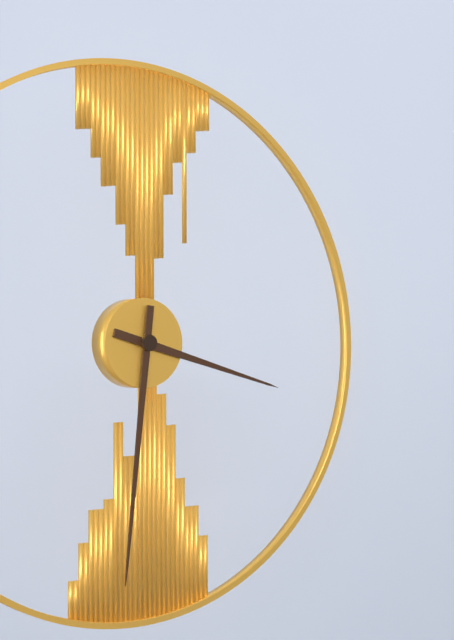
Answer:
**3:31**
